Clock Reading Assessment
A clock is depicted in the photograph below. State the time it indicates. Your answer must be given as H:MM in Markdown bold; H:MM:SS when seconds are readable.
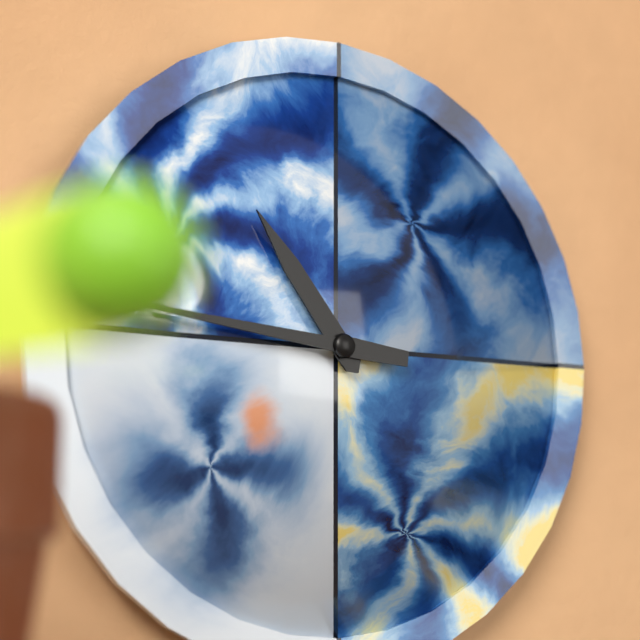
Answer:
**10:46**
